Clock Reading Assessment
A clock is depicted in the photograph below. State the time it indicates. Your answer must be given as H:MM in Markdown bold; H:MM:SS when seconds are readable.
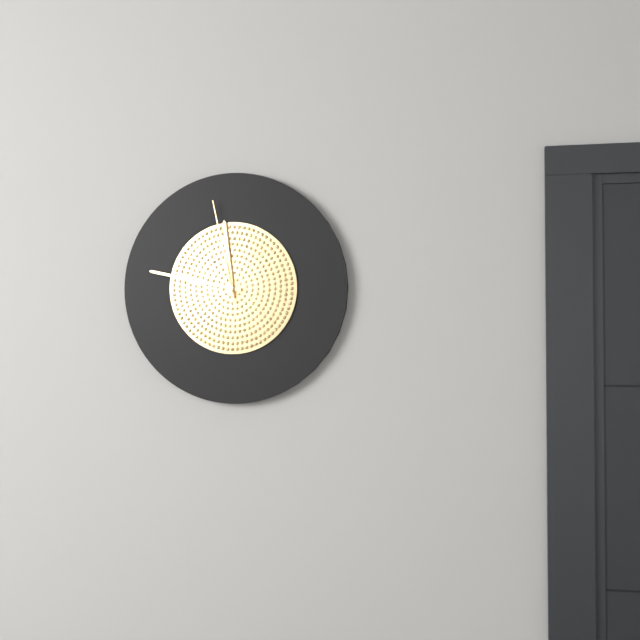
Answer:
**11:47:58**
